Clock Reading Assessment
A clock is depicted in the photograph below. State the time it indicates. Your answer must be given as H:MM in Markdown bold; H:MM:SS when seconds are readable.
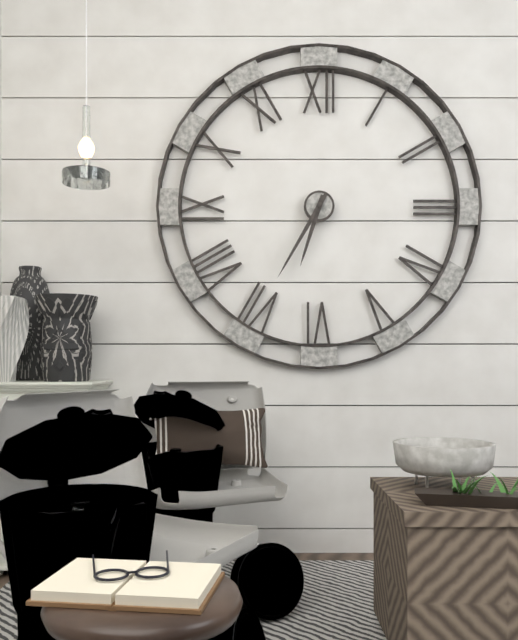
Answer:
**6:35**
